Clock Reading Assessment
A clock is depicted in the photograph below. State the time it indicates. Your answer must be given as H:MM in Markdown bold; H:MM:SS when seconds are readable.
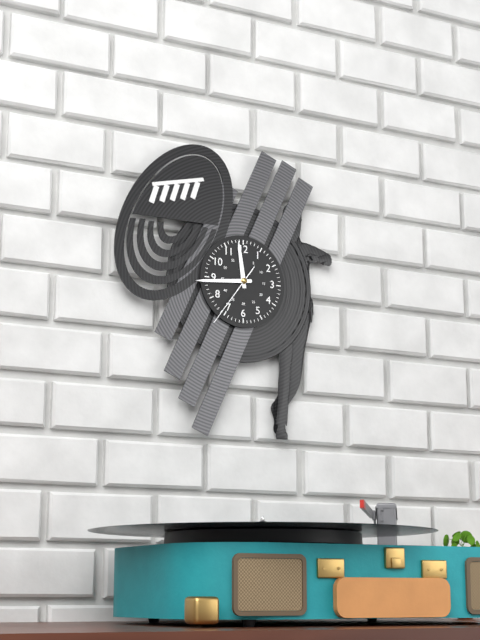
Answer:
**11:44:36**
